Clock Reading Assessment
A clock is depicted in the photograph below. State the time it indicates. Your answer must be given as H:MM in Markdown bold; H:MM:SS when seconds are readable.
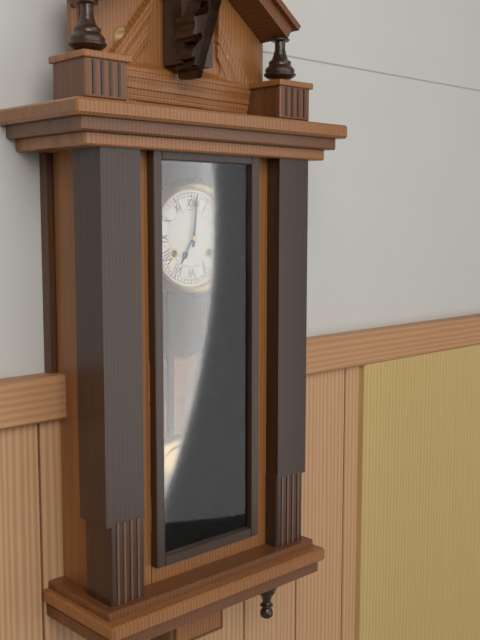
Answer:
**7:01**
